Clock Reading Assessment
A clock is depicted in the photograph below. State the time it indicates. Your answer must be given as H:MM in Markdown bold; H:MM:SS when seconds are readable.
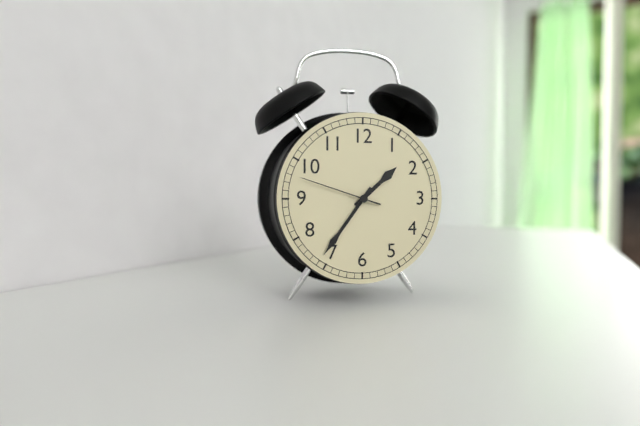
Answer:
**1:36:48**
